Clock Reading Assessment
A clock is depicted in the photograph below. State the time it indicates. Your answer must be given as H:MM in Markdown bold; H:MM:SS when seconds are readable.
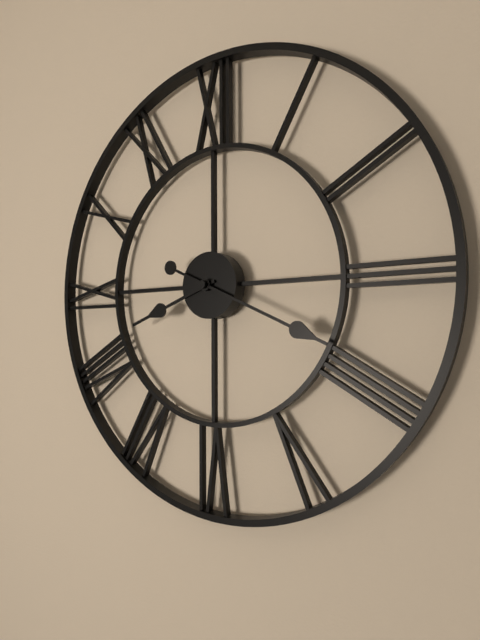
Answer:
**8:19**
